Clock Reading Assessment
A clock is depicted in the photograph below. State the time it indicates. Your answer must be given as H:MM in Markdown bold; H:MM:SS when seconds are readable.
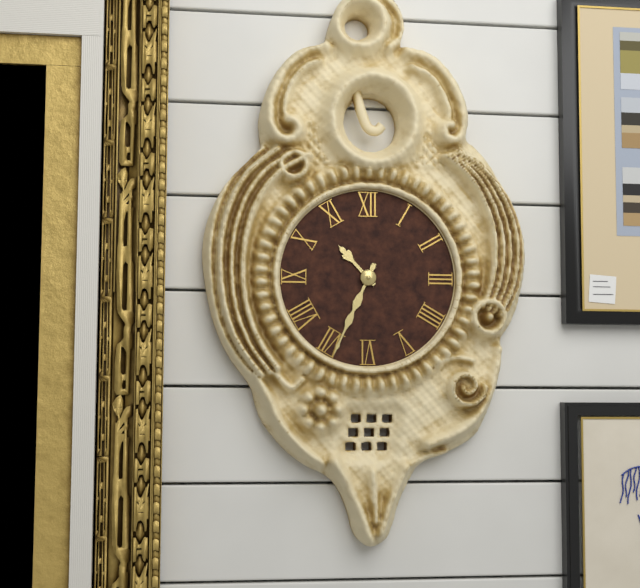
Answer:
**10:34**
